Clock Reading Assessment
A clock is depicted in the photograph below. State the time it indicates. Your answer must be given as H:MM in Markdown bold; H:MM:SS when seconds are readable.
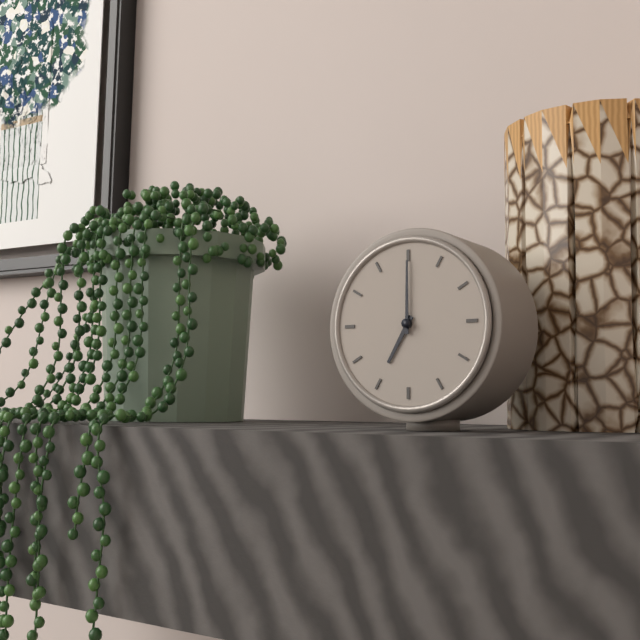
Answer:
**7:00**
